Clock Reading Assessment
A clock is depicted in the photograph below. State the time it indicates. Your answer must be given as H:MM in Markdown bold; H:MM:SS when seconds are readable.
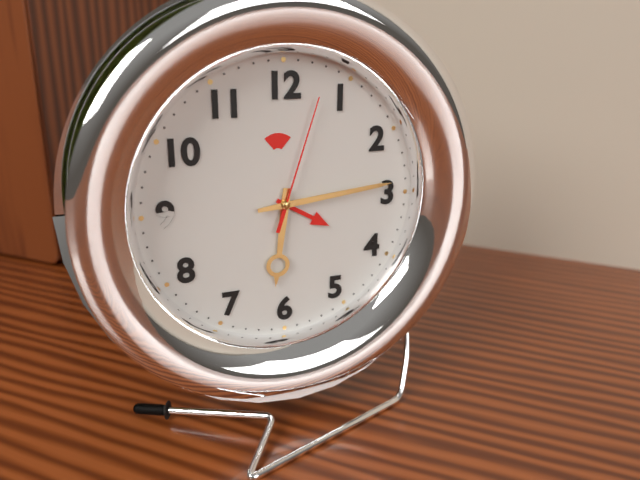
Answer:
**6:14:03**
